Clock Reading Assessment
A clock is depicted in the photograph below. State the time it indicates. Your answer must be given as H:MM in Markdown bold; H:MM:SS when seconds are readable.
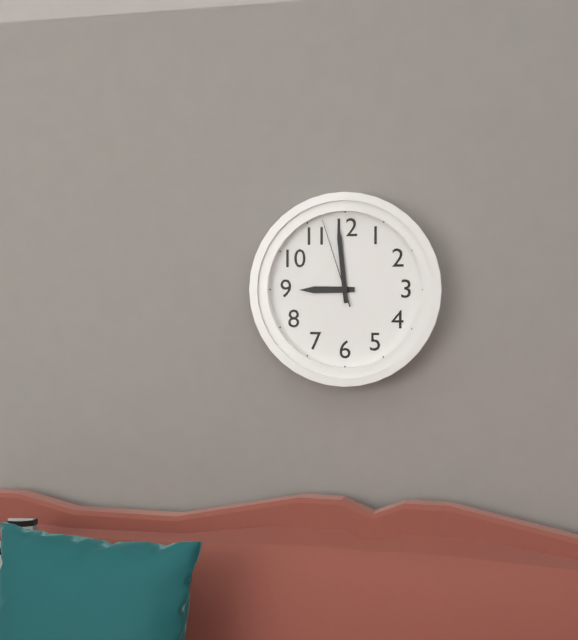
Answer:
**8:59:57**
